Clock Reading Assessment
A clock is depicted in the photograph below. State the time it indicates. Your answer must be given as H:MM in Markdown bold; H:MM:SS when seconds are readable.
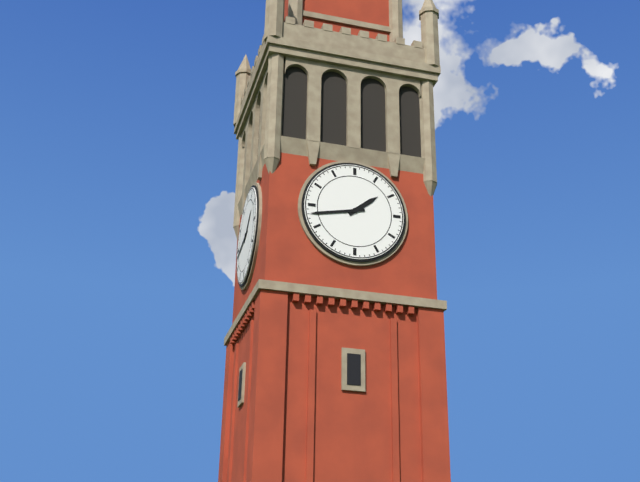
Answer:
**1:43**
